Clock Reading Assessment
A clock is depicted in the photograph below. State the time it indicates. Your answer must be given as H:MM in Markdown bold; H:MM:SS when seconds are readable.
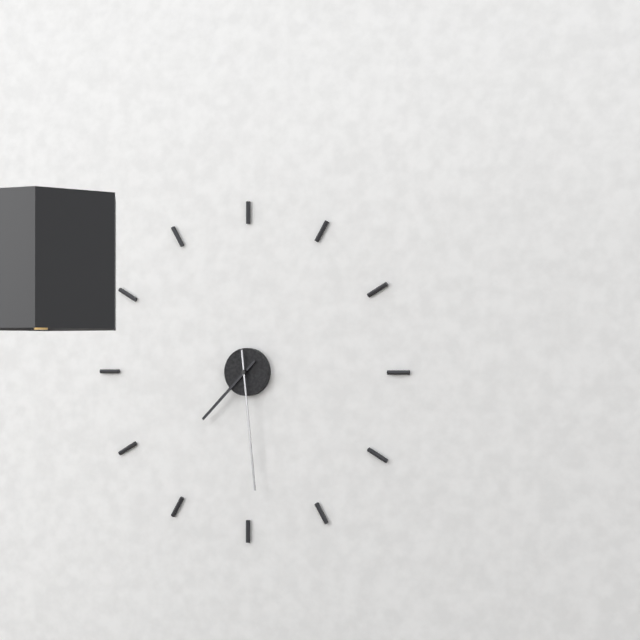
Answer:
**7:29**
